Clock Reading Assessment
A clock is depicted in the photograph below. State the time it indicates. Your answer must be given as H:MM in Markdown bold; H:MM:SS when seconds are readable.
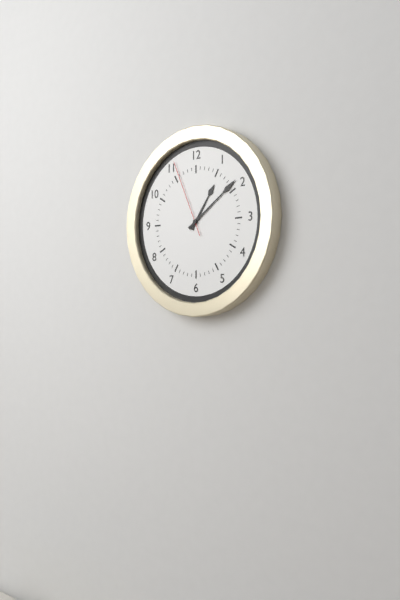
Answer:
**1:09:56**
